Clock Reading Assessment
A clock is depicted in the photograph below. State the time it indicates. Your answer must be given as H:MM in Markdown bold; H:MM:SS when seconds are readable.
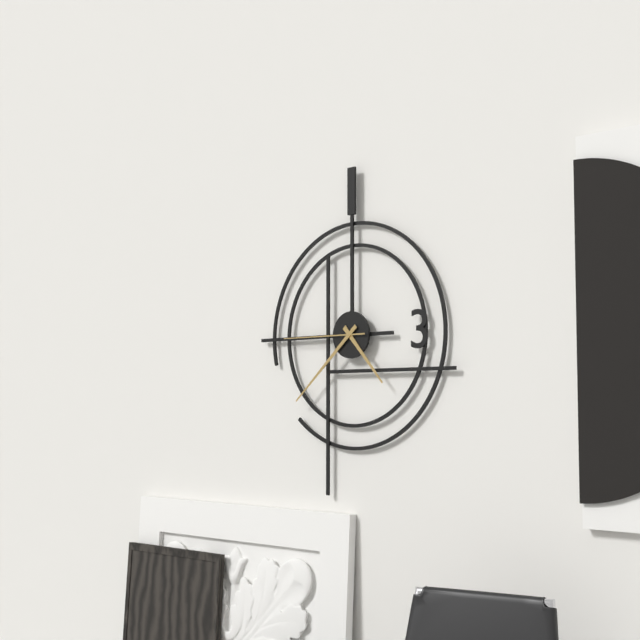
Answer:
**4:38:45**
